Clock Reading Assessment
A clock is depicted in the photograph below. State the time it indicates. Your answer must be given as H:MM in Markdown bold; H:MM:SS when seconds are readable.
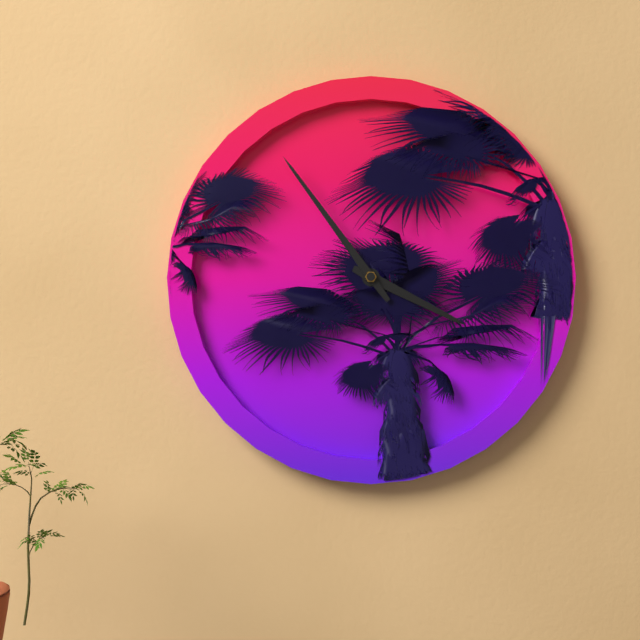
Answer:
**3:54**
